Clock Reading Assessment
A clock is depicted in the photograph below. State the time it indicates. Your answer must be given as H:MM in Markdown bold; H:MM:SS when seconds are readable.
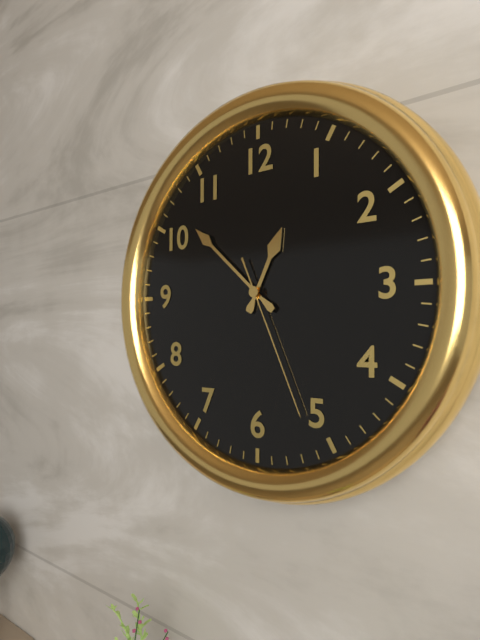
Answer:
**12:52:26**
